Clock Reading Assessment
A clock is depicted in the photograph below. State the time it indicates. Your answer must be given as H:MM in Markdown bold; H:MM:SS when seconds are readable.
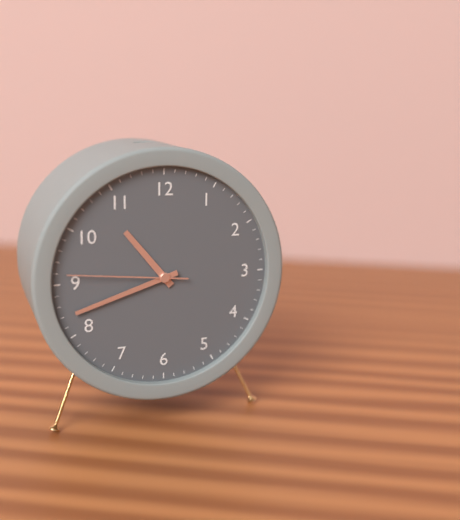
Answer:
**10:42:46**
